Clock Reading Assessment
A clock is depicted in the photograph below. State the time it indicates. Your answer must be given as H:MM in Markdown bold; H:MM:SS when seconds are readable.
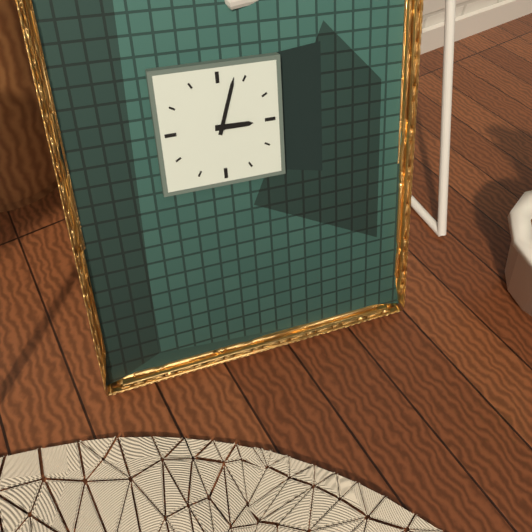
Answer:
**3:03**
